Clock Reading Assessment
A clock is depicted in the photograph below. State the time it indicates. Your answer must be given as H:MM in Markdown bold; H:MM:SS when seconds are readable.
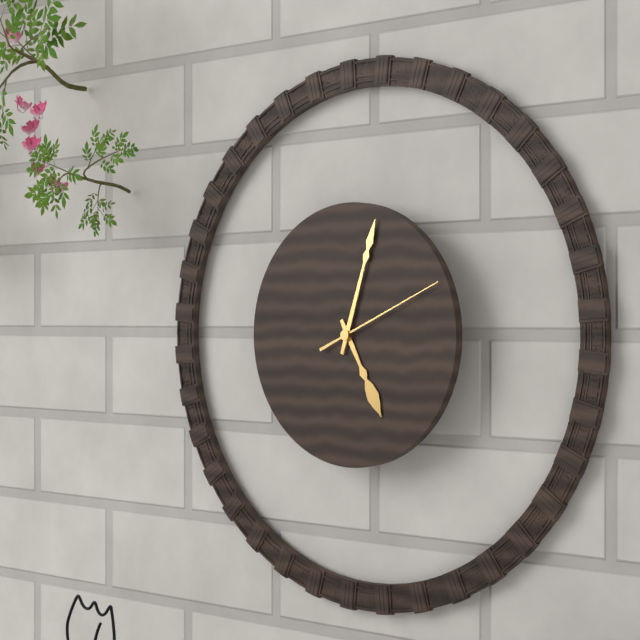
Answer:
**5:03:11**
